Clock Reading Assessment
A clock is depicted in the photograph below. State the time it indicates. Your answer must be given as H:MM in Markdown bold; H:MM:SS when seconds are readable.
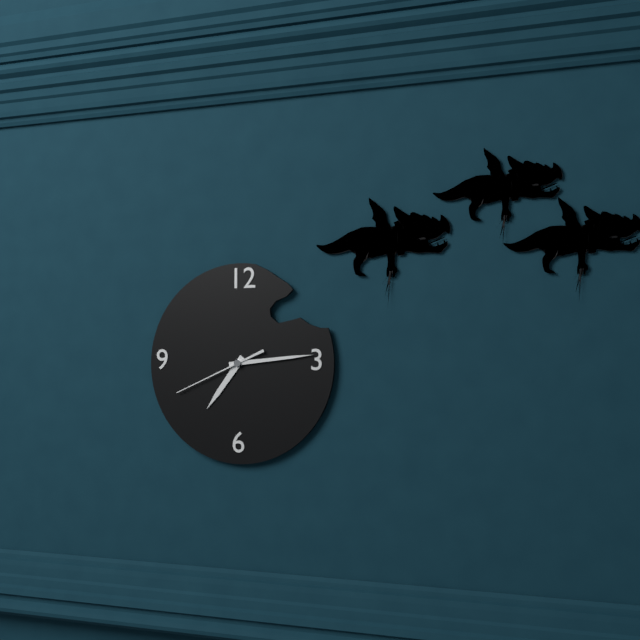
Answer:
**7:14:41**
